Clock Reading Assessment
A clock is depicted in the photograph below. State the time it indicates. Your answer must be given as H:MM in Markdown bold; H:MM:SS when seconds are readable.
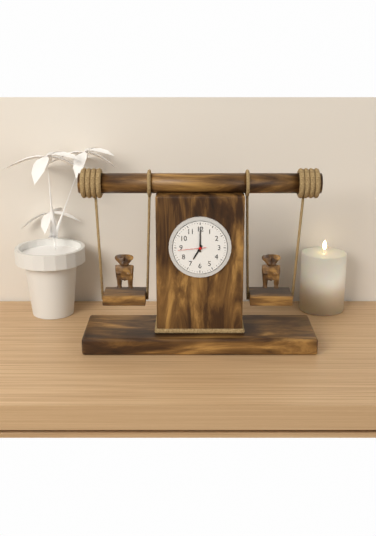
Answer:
**7:00**
